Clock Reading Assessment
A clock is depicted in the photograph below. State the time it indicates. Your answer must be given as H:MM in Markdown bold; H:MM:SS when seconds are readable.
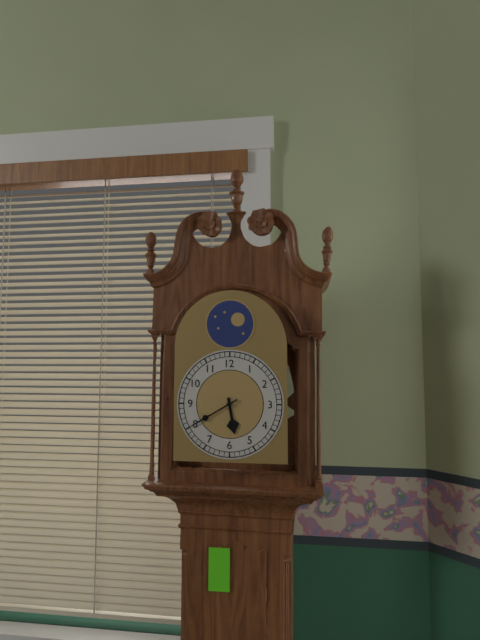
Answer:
**5:40**
